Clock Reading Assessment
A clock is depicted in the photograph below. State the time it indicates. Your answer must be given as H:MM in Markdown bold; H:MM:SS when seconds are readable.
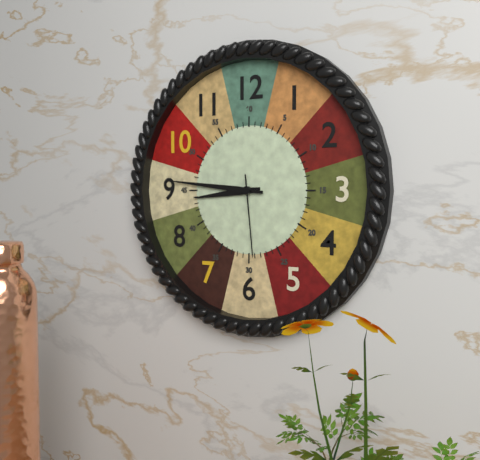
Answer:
**8:46:29**
